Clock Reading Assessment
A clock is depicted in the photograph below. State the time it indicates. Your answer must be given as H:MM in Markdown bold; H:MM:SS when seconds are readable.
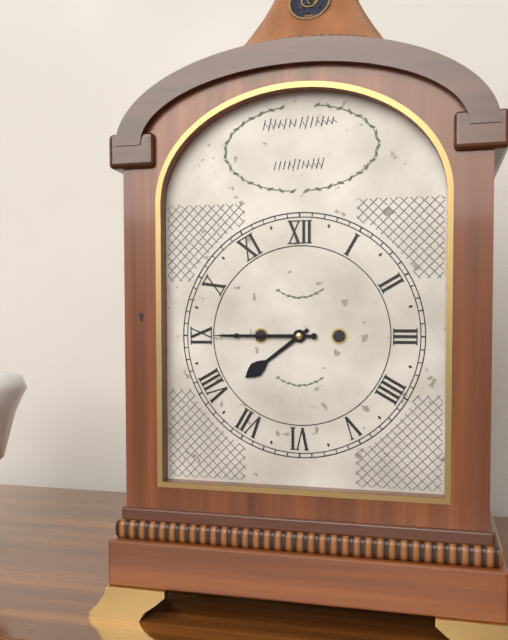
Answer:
**7:45**
